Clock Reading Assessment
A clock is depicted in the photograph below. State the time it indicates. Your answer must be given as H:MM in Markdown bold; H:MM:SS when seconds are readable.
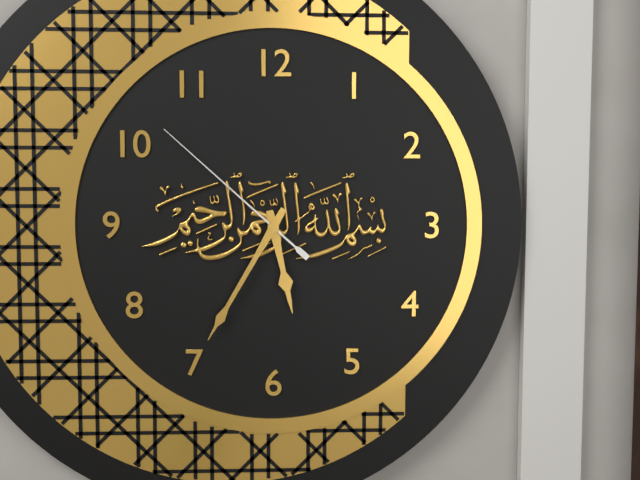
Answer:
**5:35:52**
